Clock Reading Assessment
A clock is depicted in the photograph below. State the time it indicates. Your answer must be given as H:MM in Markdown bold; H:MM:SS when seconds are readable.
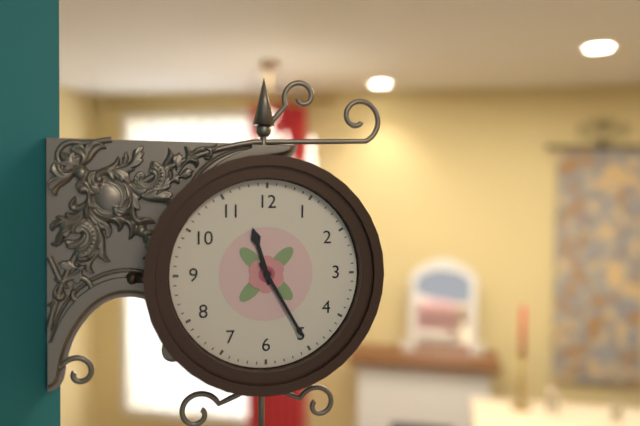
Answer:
**11:25**
